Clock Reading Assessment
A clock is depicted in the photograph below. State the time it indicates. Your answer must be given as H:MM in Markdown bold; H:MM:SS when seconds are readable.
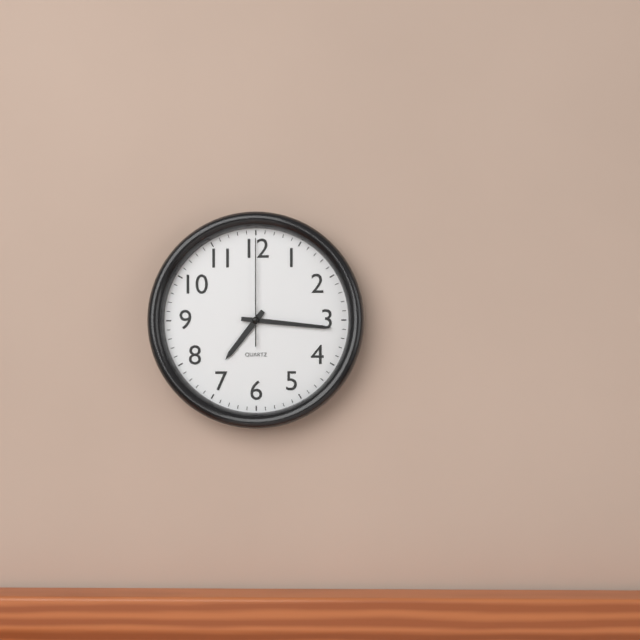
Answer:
**7:16:00**
